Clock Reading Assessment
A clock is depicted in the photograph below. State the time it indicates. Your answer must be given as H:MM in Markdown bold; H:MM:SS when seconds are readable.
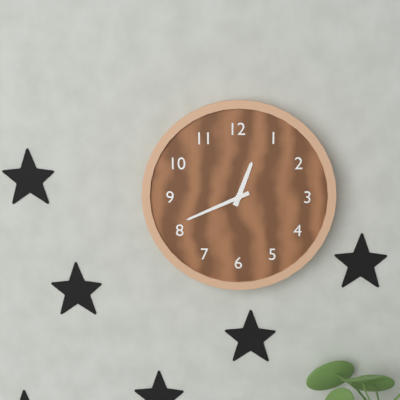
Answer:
**12:41**
